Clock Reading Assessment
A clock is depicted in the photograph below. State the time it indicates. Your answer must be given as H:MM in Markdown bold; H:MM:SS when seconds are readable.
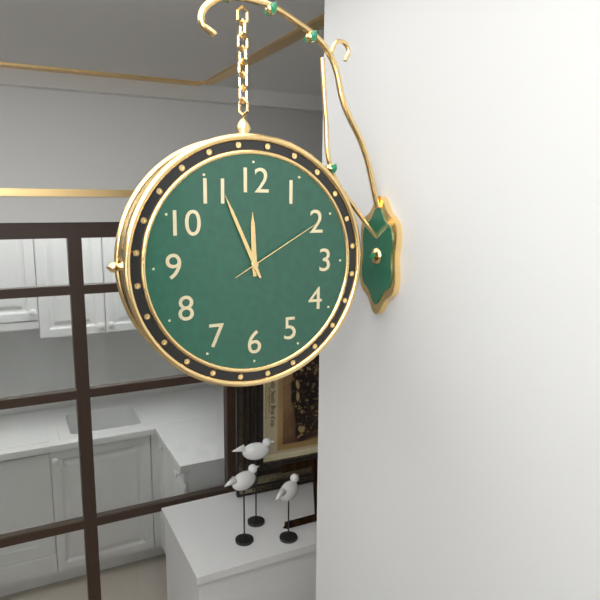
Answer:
**11:56:10**
